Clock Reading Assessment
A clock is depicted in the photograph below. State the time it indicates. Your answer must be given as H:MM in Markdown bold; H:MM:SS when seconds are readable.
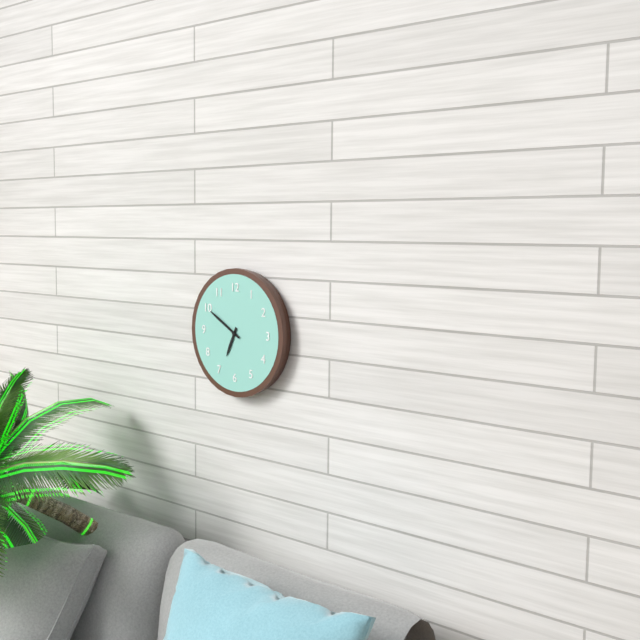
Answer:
**6:50**
